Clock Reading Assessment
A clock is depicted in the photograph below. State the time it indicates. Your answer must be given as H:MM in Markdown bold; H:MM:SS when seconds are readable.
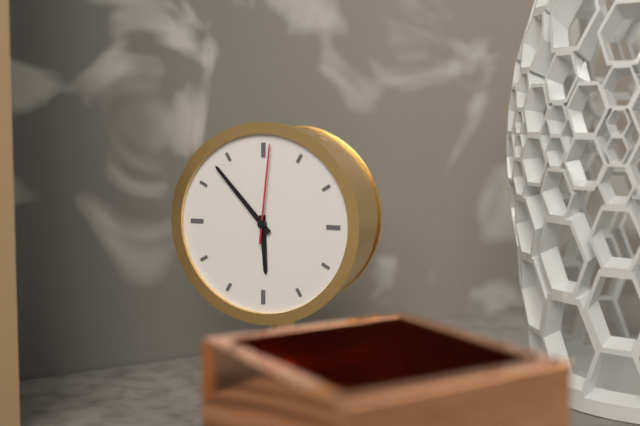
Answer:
**5:53:01**
